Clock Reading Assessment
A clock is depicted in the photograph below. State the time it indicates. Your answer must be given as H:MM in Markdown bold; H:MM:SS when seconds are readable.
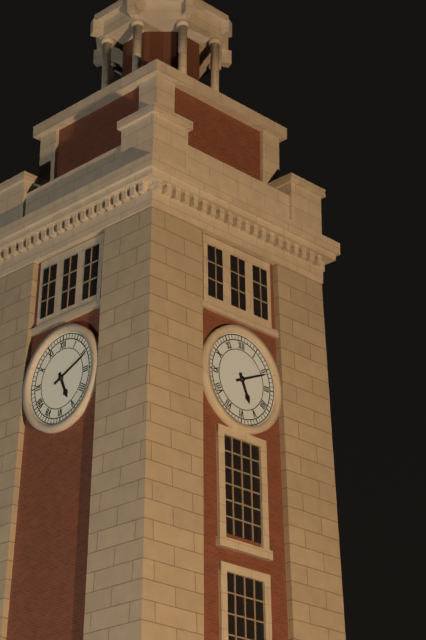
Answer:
**5:11**
